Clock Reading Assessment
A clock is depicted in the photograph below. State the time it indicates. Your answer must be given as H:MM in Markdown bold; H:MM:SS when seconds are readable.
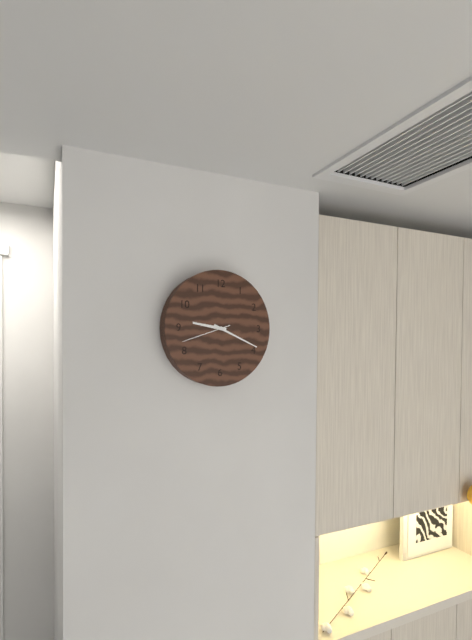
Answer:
**9:19:42**
